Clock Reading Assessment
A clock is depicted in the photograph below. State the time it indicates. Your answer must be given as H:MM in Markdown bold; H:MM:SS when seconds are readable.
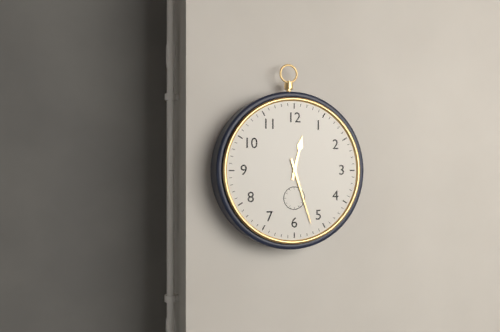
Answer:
**12:27**
